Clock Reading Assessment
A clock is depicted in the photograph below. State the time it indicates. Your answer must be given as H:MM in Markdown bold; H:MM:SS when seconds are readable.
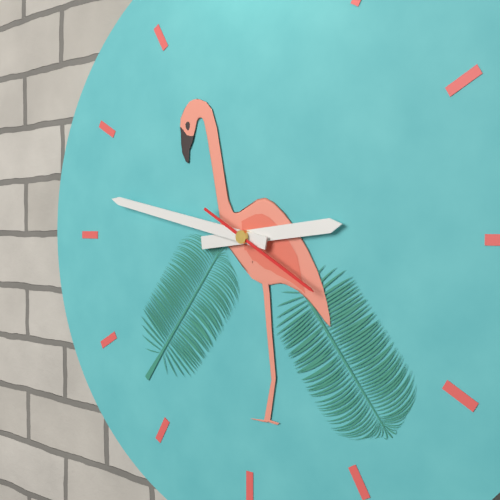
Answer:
**2:47:20**
